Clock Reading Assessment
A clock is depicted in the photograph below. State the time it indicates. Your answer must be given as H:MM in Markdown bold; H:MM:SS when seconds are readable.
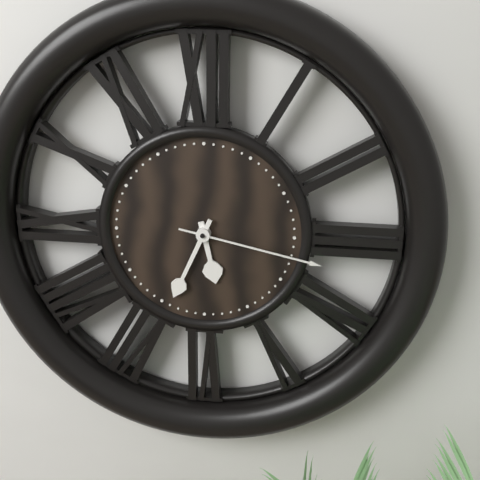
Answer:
**5:34:17**
